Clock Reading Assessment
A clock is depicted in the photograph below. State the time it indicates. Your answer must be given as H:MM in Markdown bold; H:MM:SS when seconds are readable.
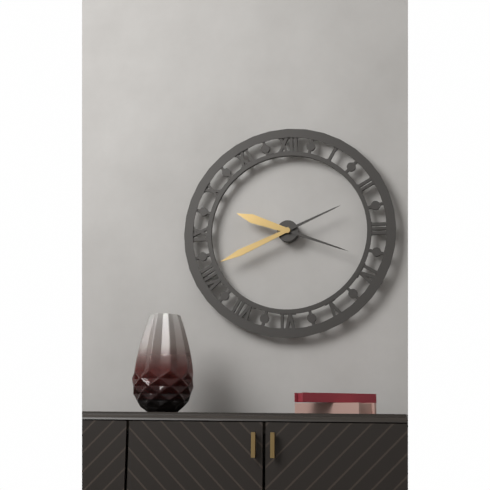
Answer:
**9:41**
